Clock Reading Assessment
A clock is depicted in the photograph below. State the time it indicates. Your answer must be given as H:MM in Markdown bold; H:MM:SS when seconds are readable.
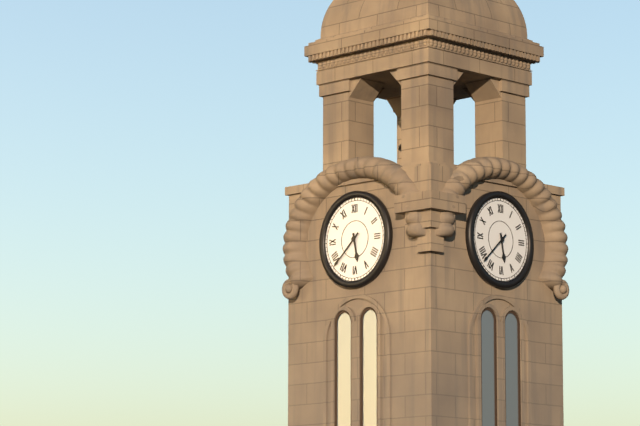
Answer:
**5:38**
